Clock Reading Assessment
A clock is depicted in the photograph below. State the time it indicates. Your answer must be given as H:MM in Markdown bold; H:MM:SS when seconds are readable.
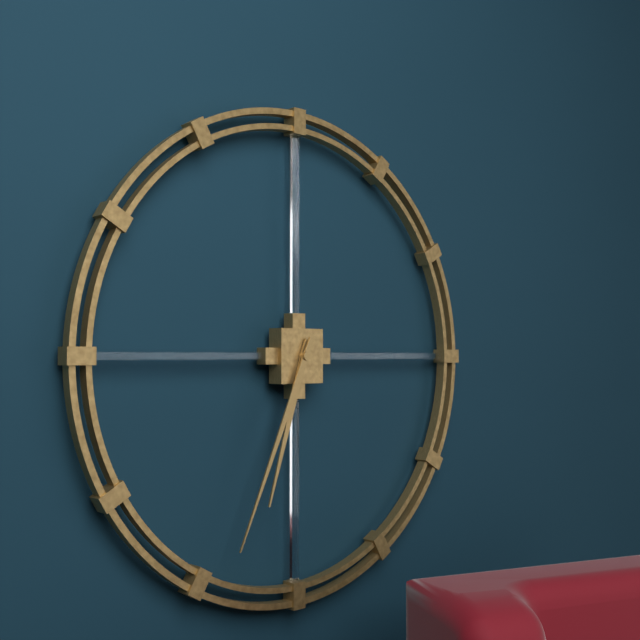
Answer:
**6:34**
